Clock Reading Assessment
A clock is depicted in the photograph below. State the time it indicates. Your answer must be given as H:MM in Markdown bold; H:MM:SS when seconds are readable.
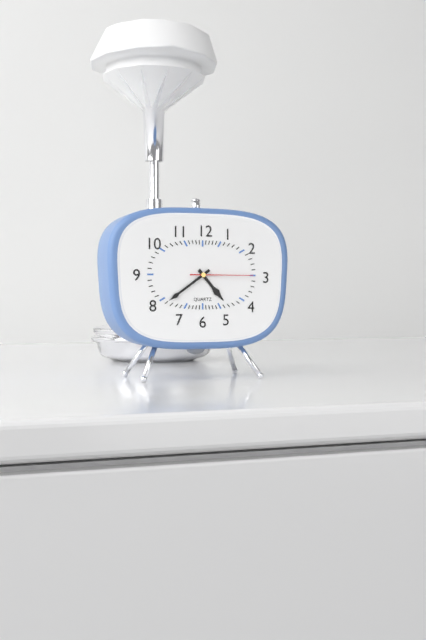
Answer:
**4:39:15**
